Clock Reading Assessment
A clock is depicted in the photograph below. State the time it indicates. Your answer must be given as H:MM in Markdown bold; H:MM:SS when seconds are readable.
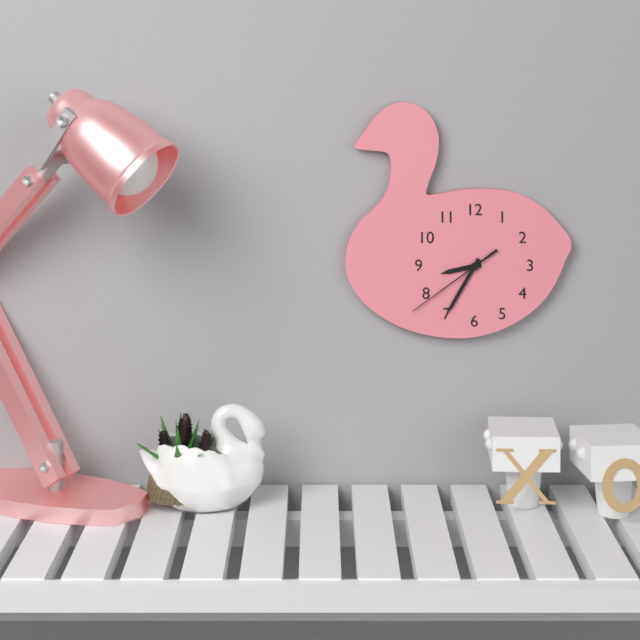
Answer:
**8:35:39**
